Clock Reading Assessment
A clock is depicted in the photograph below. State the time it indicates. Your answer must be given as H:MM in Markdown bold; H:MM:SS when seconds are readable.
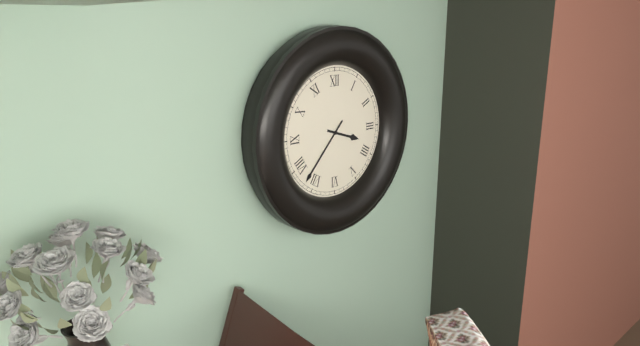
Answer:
**3:37**
